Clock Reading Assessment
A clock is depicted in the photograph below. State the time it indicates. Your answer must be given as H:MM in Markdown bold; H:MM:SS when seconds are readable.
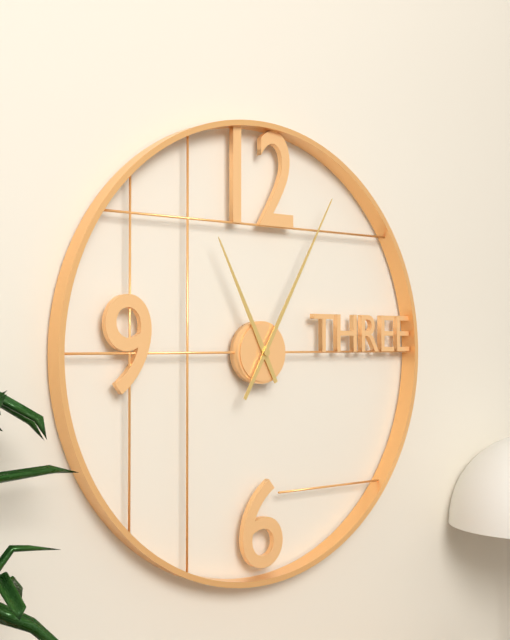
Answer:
**11:05**
